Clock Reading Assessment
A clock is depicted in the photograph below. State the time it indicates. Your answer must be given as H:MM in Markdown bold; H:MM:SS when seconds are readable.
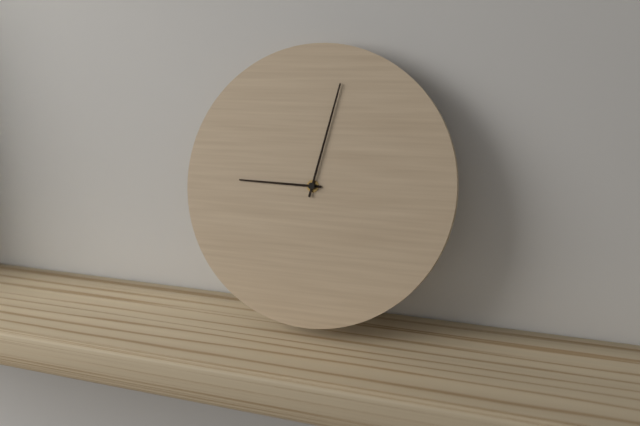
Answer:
**9:02**
